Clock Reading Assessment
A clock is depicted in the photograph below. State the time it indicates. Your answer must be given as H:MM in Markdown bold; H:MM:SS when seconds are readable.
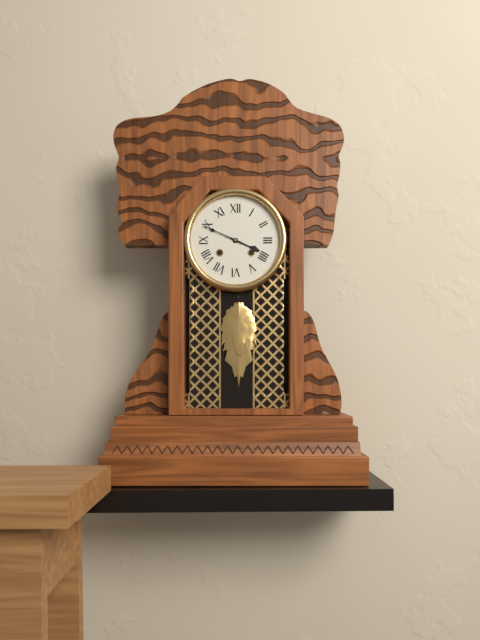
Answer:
**3:49**
